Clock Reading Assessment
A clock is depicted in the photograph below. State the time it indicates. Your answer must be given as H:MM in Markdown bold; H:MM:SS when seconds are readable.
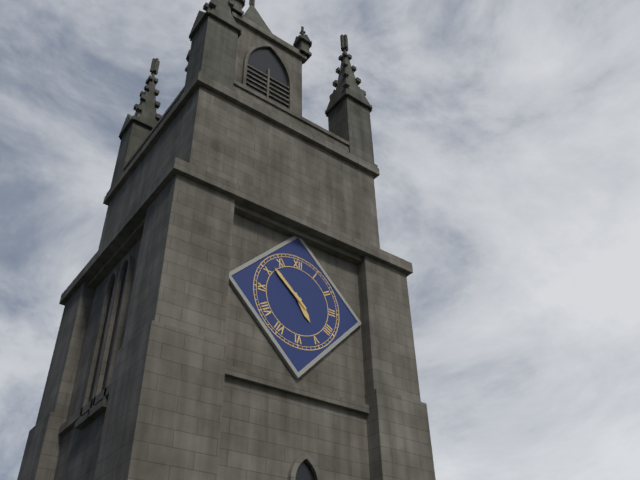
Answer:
**4:52**
